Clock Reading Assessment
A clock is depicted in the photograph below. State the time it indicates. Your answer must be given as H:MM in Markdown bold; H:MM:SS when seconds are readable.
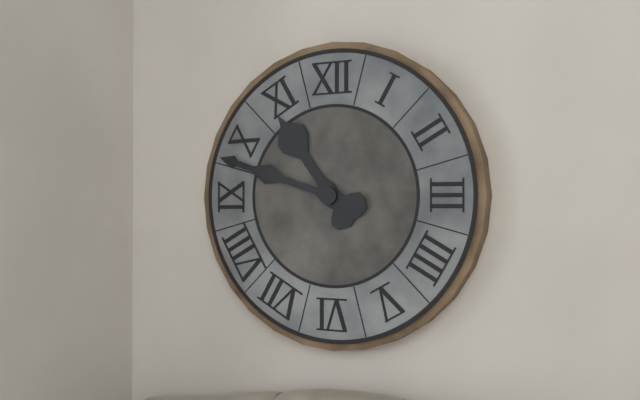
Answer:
**10:48**
